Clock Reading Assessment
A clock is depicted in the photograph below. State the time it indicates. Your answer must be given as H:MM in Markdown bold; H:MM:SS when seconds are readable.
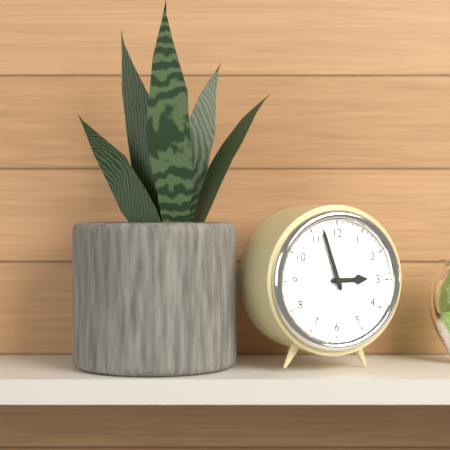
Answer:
**2:57**
